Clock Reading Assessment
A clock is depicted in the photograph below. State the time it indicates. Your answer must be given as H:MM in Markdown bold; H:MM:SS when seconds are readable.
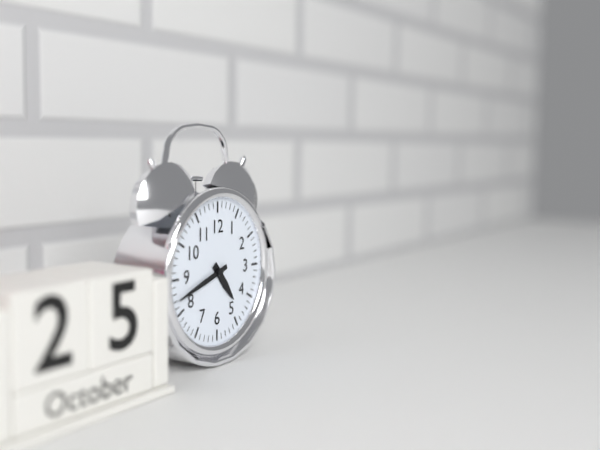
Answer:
**4:42**
